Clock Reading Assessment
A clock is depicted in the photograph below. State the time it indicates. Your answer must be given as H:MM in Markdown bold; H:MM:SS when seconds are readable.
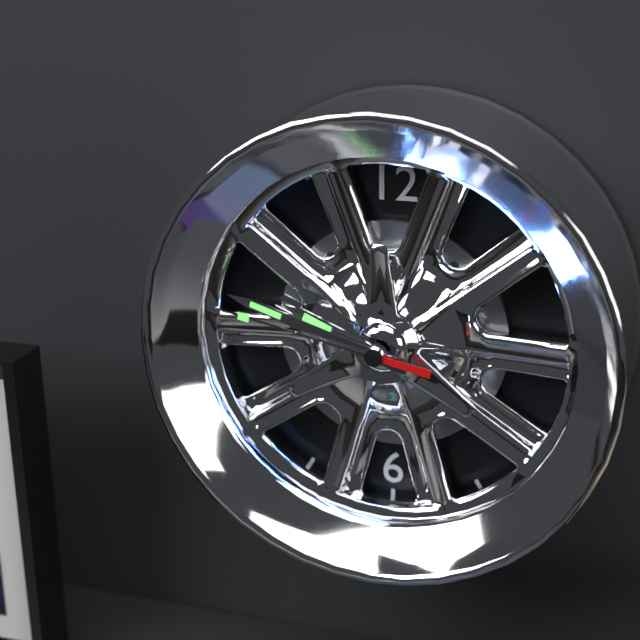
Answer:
**9:48:47**
